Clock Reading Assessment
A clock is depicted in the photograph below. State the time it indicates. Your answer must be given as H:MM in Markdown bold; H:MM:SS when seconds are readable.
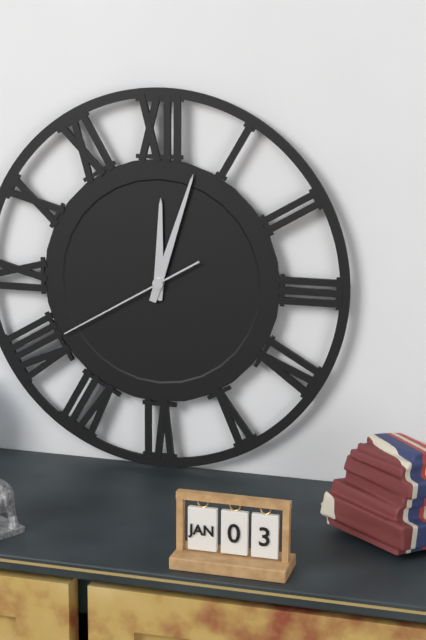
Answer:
**12:03:40**
